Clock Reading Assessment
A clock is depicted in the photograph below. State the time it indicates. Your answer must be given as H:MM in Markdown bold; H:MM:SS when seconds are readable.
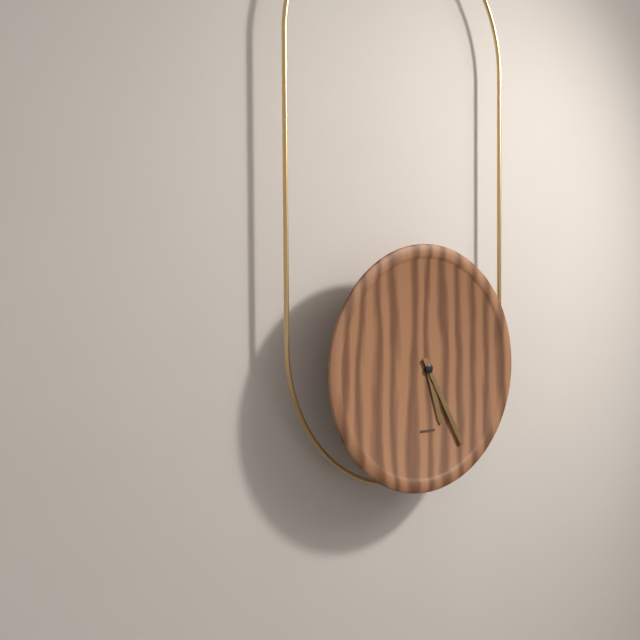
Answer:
**5:25**
